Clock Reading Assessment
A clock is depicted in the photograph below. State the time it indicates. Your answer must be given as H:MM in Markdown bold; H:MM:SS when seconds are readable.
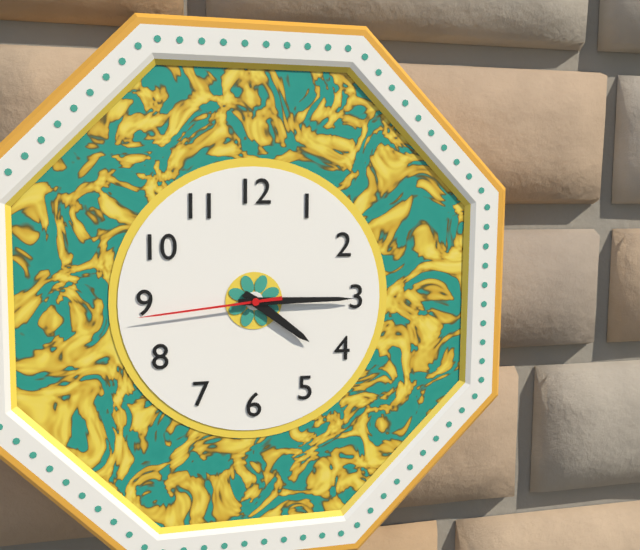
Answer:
**4:15:44**
